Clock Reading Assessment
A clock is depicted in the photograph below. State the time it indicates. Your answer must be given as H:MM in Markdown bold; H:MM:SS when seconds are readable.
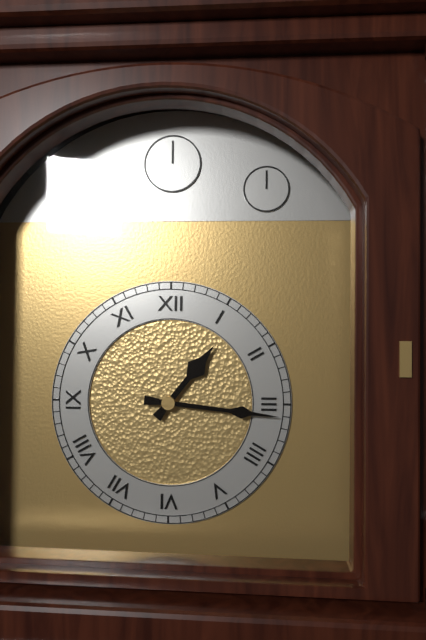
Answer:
**1:16**
